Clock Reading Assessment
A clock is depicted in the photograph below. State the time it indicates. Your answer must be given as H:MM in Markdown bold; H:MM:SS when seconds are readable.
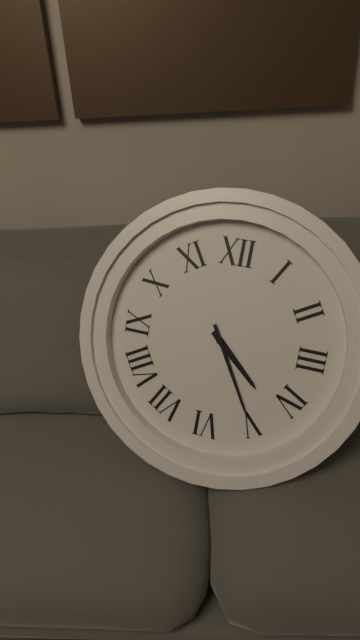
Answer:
**4:25**
